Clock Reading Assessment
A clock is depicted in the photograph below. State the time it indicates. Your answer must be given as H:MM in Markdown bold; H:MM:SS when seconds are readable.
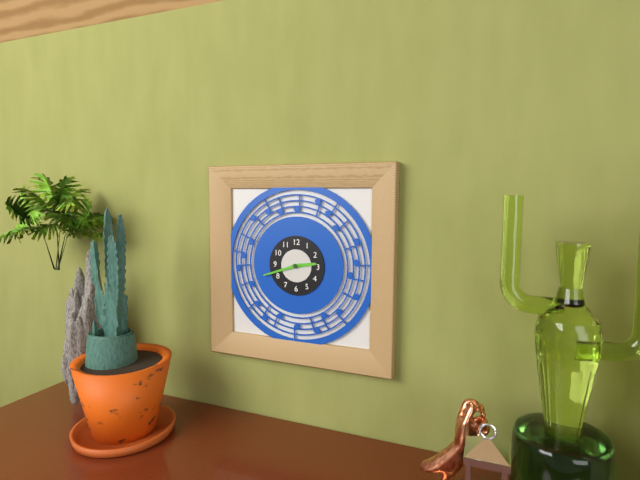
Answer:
**2:42**
